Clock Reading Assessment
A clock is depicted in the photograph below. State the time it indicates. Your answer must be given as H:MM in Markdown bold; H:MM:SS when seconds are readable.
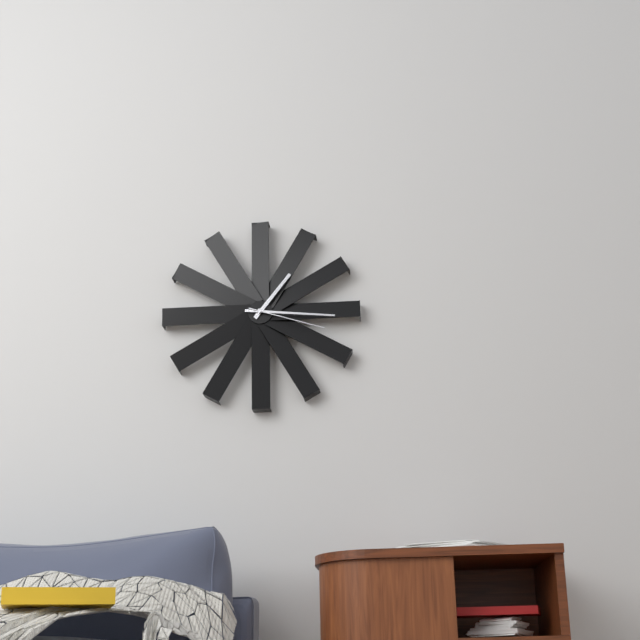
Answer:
**1:16:18**
